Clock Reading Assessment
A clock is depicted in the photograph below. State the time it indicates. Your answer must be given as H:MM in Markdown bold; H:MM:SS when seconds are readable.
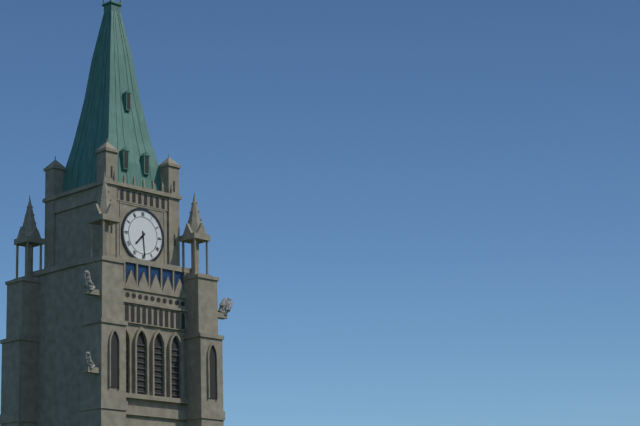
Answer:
**7:29**
